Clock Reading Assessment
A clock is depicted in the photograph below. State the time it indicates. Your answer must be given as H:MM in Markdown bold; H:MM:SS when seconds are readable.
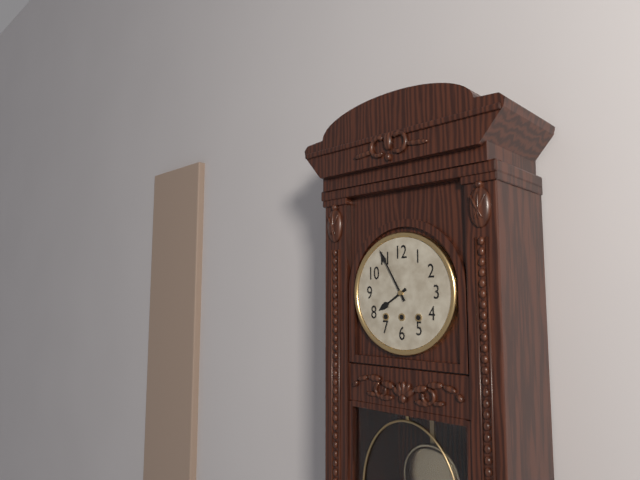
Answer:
**7:55**
